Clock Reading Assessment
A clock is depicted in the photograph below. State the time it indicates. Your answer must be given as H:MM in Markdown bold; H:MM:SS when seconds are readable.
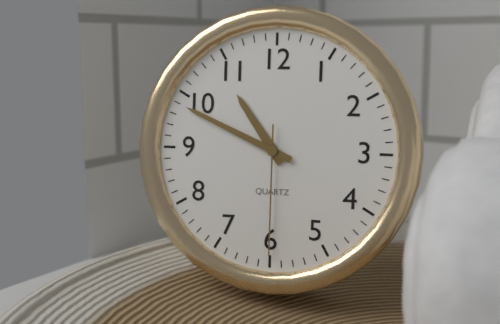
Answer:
**10:49:30**
